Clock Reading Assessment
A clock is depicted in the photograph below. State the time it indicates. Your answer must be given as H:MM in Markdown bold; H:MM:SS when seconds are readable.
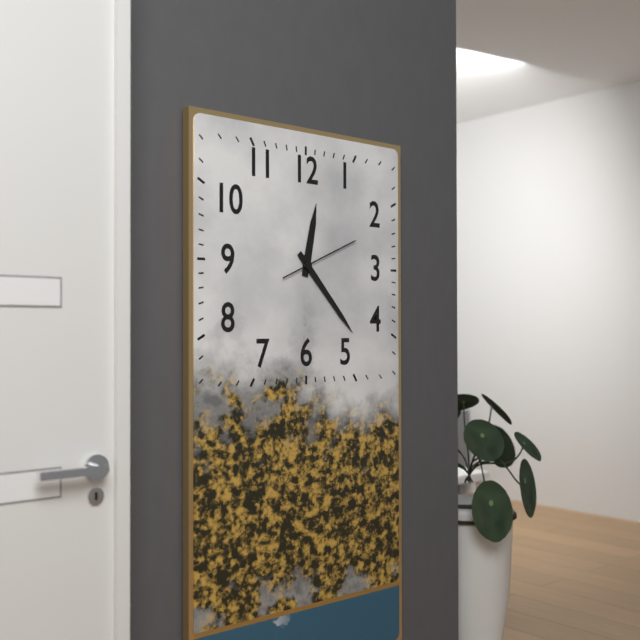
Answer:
**12:23:11**
